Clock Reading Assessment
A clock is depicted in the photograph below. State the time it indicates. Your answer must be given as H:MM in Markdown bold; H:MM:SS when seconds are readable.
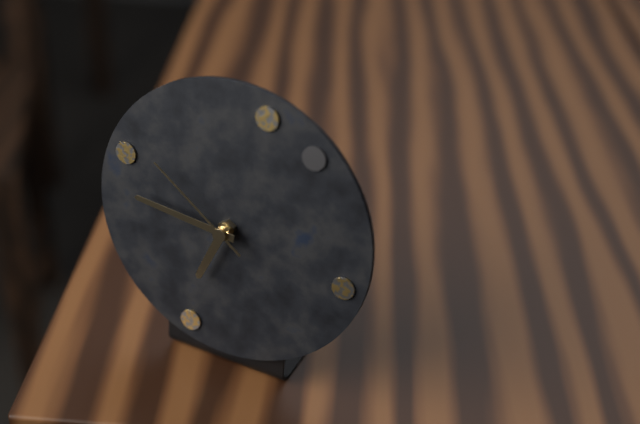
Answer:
**6:46:51**
